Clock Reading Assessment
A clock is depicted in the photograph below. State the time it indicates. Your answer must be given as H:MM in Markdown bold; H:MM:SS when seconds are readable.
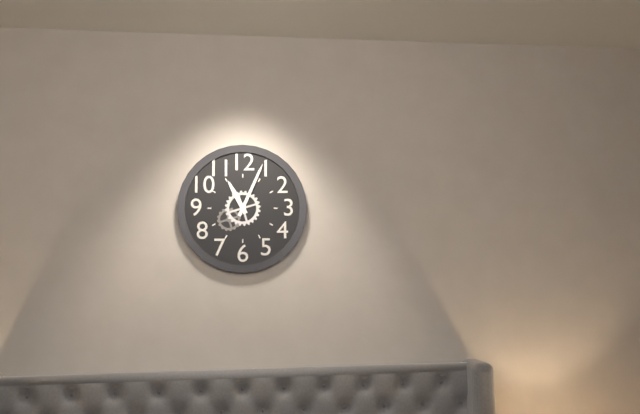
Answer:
**11:04**
